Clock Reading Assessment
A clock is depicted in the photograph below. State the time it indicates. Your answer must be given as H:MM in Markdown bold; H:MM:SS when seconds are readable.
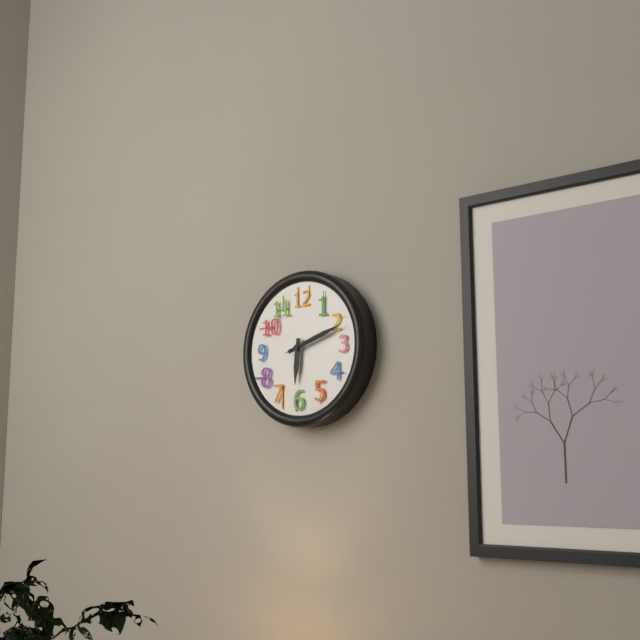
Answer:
**6:12:12**
